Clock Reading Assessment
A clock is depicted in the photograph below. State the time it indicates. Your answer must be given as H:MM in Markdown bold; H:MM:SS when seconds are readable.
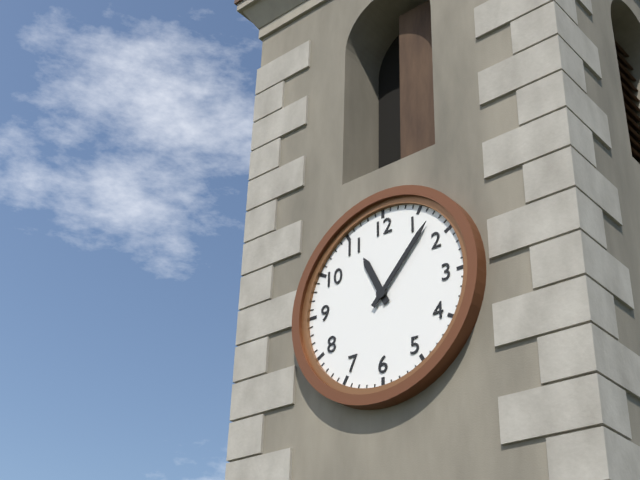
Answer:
**11:07**
